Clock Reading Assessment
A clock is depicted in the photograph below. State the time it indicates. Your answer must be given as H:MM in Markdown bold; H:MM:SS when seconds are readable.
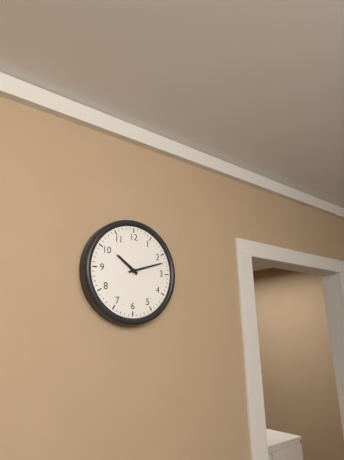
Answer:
**10:12**
